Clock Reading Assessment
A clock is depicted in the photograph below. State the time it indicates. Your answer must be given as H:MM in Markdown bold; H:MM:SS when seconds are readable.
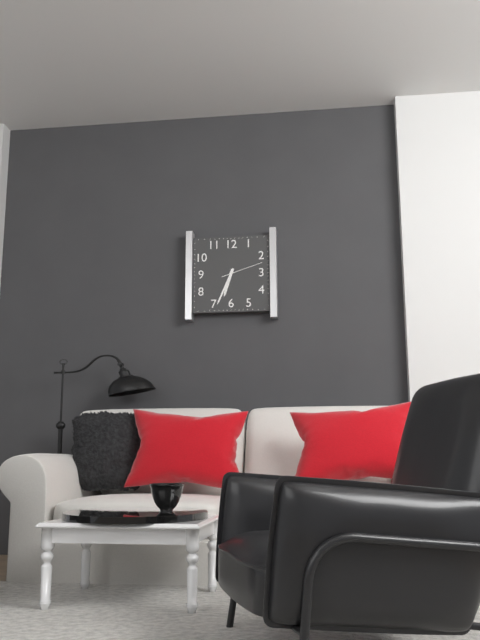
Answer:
**6:34**
